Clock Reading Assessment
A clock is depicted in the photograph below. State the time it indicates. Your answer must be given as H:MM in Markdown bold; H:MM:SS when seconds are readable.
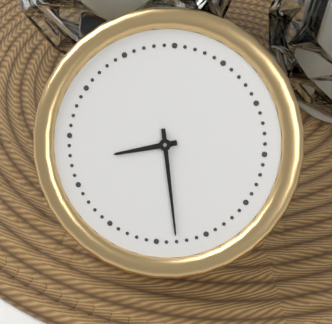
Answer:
**8:28**
